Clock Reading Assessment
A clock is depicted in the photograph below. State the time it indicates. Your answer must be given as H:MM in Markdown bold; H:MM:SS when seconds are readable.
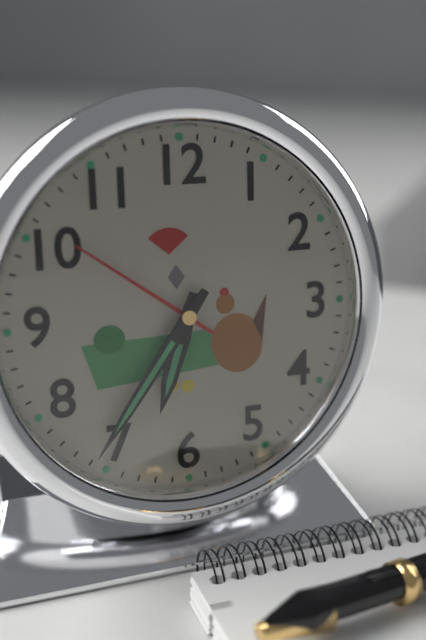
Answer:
**6:36**
